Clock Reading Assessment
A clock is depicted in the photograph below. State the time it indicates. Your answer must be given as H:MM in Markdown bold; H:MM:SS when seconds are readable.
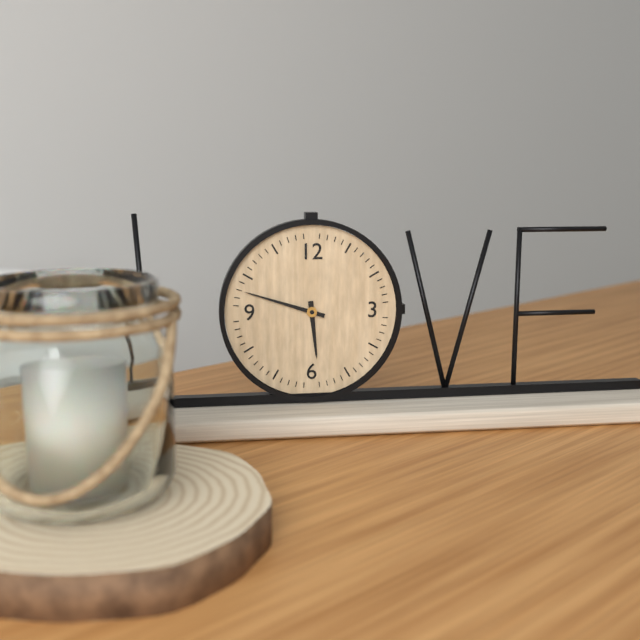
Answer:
**5:48**
